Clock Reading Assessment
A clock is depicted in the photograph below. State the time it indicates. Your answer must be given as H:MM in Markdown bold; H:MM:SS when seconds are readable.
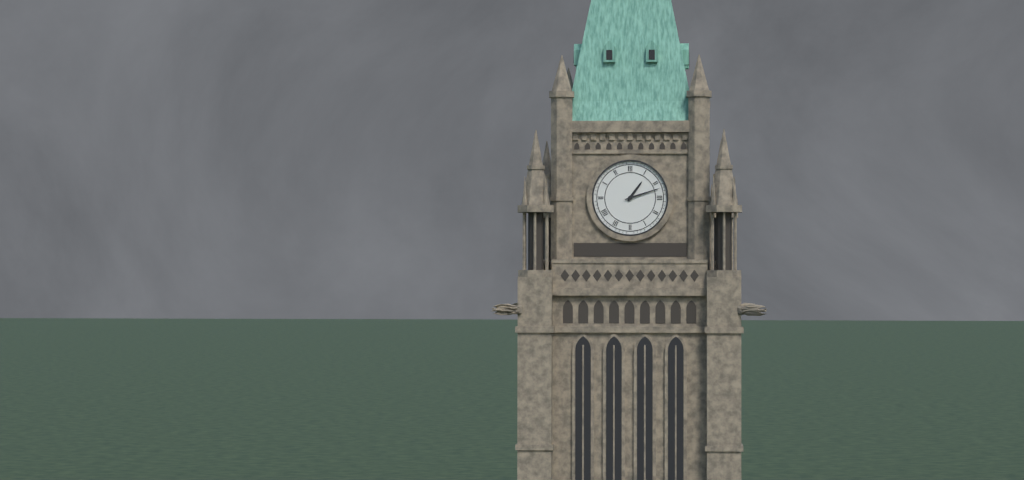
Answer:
**1:12**
